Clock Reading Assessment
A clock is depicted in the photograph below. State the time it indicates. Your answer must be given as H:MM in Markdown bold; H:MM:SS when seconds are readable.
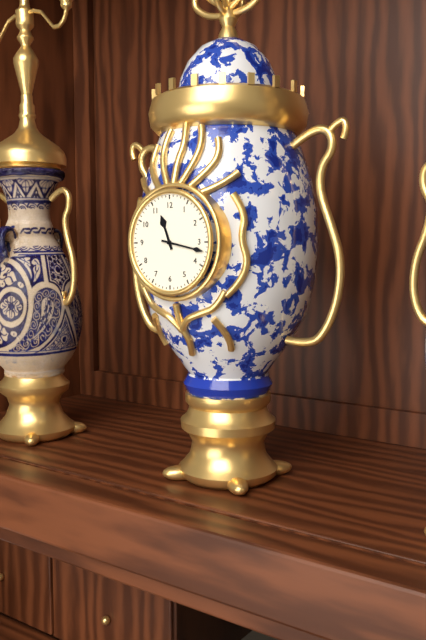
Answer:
**11:17**
